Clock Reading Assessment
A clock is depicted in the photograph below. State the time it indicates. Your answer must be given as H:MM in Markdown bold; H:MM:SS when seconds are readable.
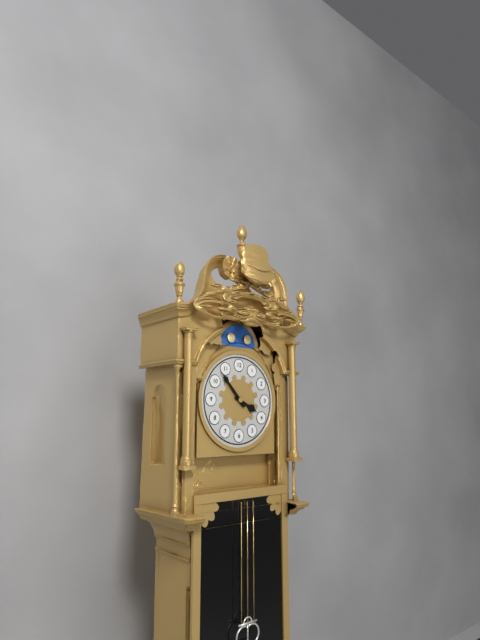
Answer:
**3:53**
